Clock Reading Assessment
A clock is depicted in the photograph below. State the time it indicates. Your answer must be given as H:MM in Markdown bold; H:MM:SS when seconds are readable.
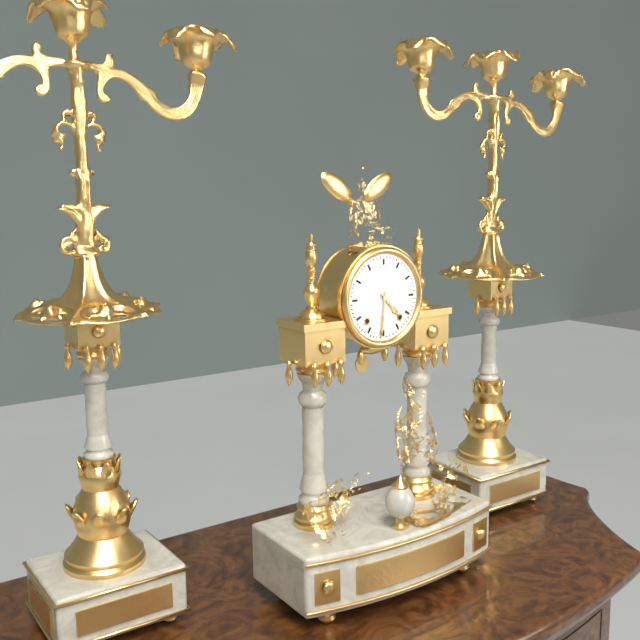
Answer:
**4:31**
